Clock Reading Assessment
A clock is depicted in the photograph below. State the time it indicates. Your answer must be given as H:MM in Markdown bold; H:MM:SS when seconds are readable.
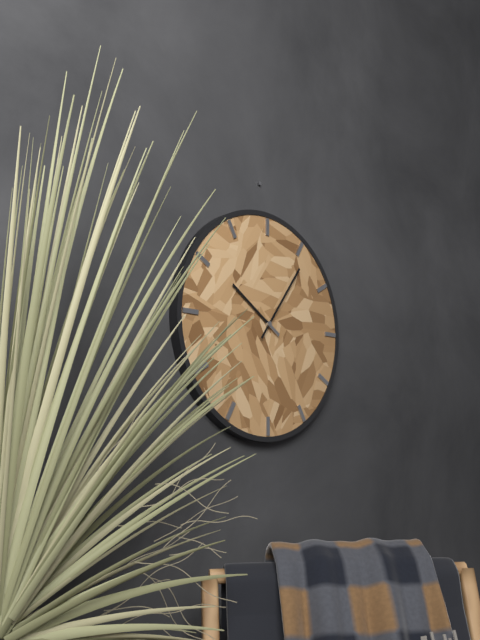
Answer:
**10:06**
